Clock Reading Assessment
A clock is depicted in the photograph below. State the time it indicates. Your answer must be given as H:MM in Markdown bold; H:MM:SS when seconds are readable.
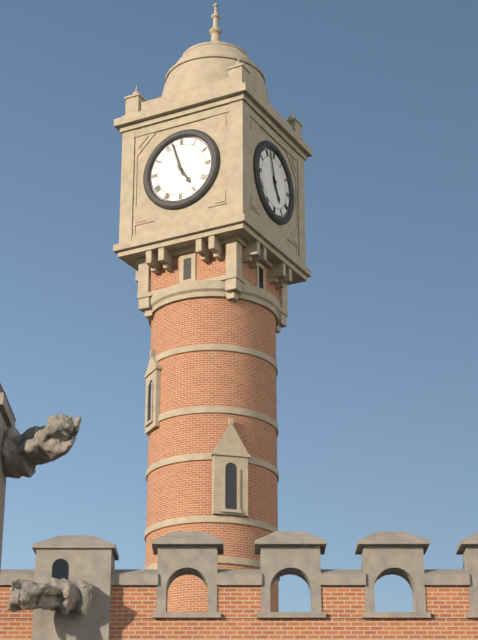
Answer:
**4:57**
